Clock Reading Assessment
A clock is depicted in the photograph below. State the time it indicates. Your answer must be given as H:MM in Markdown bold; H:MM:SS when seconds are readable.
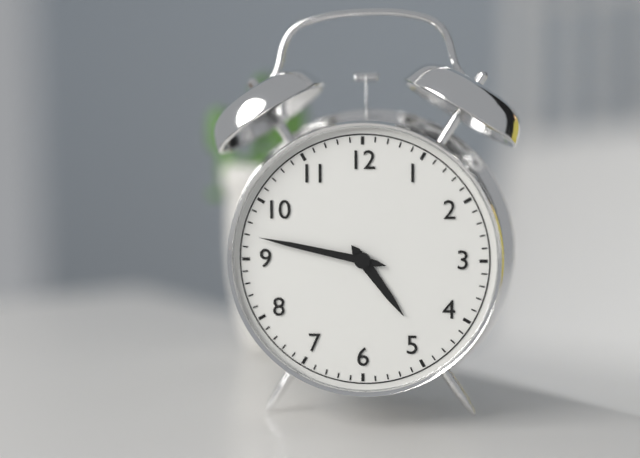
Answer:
**4:47**
